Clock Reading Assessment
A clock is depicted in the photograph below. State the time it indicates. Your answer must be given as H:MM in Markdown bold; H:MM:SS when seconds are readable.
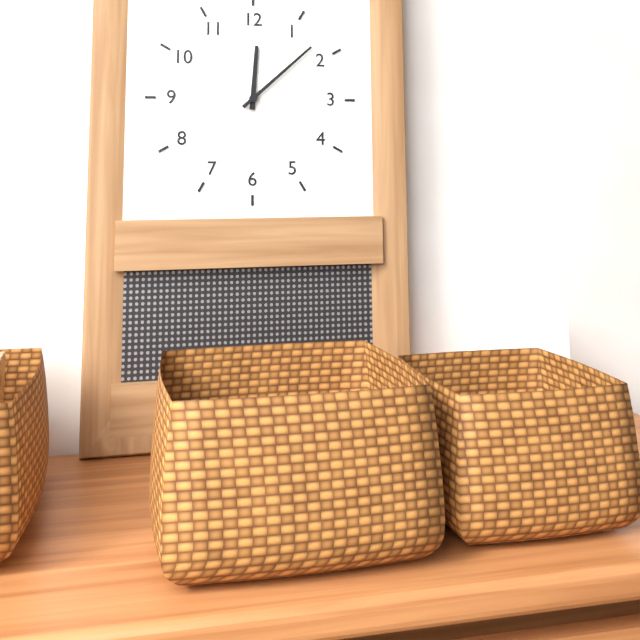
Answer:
**12:08**
